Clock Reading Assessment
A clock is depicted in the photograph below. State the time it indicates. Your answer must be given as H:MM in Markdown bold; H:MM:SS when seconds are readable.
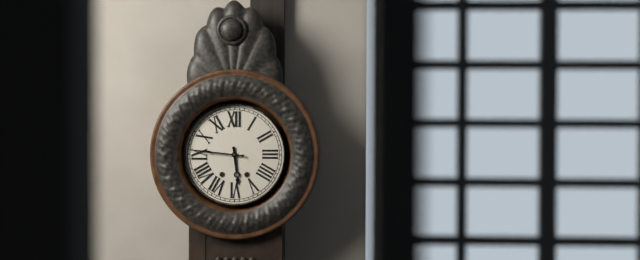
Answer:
**5:46**
